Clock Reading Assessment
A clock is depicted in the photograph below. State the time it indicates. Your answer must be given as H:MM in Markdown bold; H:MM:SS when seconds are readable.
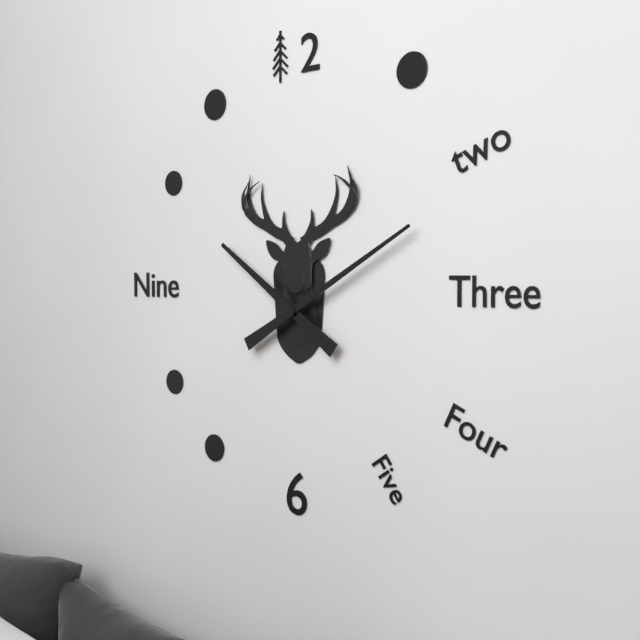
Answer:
**10:10**
